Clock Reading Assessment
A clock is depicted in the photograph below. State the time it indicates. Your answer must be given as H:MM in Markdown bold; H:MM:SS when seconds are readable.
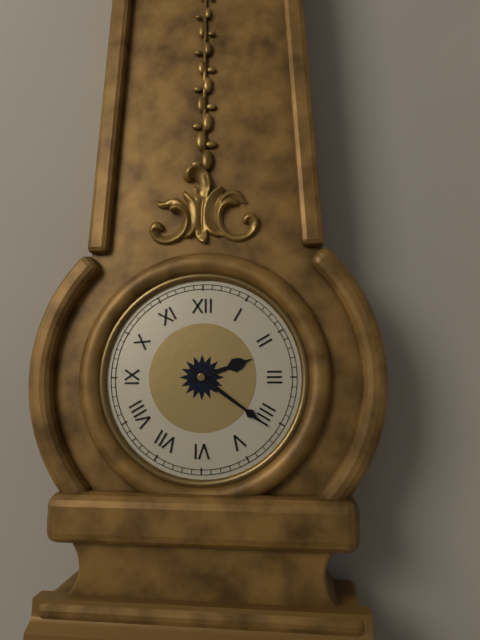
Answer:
**2:21**
